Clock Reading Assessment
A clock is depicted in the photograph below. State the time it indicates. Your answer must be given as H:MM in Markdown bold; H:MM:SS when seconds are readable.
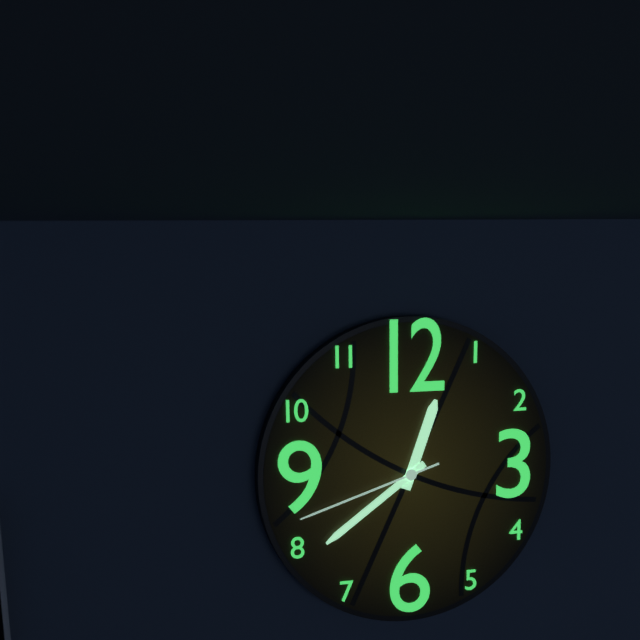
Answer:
**12:39:42**
